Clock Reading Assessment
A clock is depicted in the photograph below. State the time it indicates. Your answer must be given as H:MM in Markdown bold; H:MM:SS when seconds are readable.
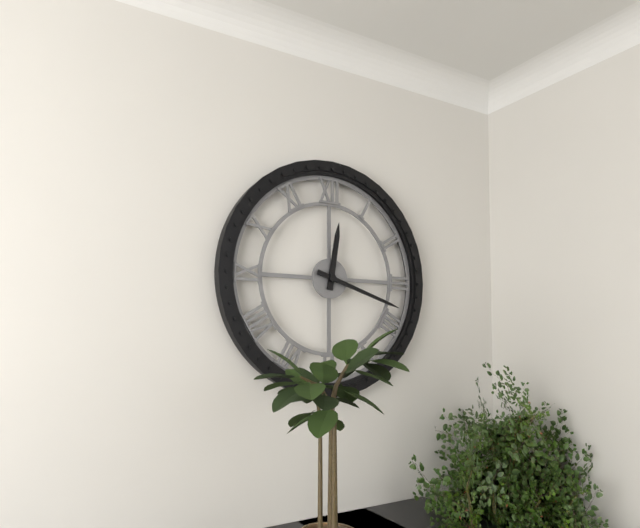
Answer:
**12:18**
